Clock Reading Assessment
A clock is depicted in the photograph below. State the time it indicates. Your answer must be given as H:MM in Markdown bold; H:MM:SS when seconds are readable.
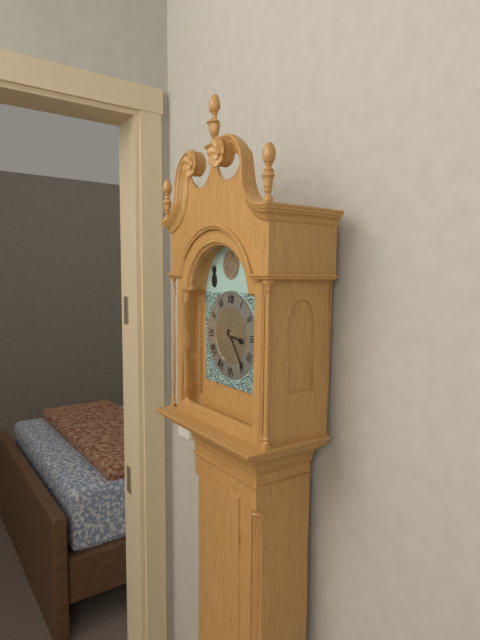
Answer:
**3:24**
